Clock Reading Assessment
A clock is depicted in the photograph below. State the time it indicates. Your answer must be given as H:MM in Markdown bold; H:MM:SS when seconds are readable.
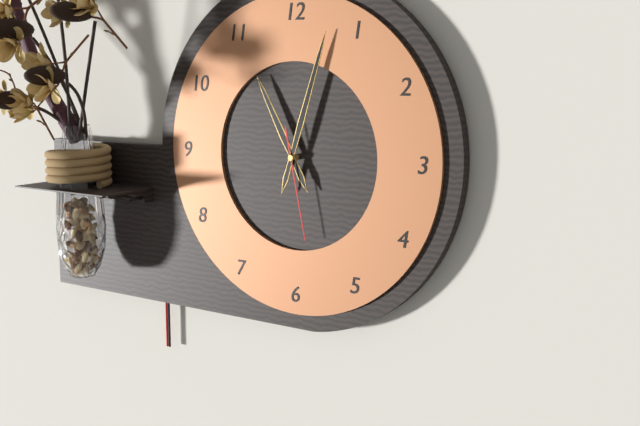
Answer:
**11:03:28**
